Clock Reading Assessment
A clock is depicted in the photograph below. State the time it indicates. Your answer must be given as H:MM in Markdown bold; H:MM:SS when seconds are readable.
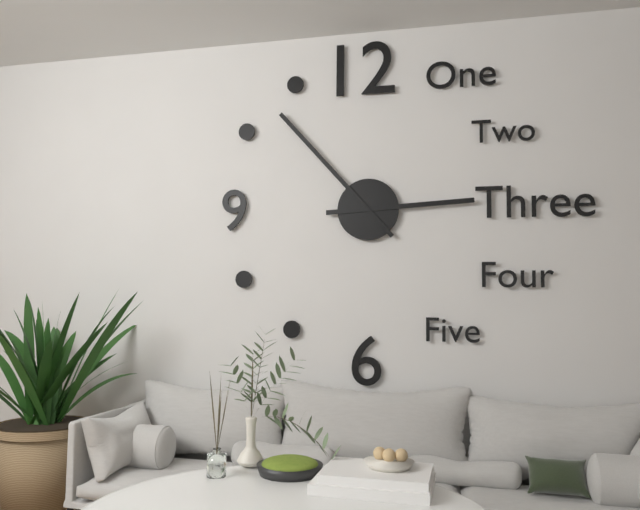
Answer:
**2:53**
